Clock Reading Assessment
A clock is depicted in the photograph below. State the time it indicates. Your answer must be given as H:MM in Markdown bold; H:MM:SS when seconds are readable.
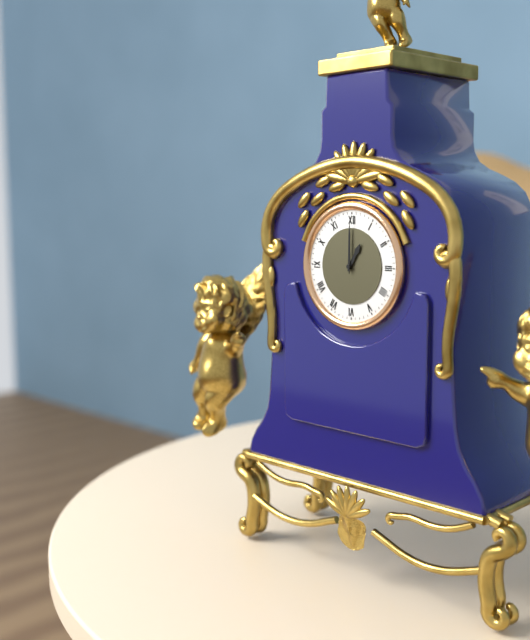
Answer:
**1:00**
